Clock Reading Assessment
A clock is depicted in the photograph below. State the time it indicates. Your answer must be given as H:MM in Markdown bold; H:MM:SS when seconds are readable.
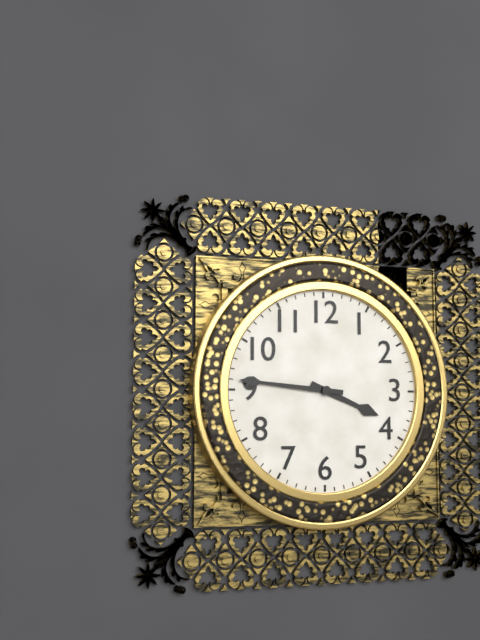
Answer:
**3:46**
